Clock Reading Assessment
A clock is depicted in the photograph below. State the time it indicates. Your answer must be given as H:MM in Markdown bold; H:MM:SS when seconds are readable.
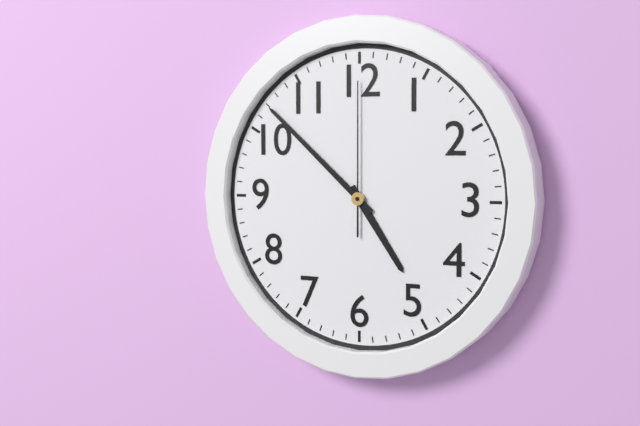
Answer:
**4:52:00**
